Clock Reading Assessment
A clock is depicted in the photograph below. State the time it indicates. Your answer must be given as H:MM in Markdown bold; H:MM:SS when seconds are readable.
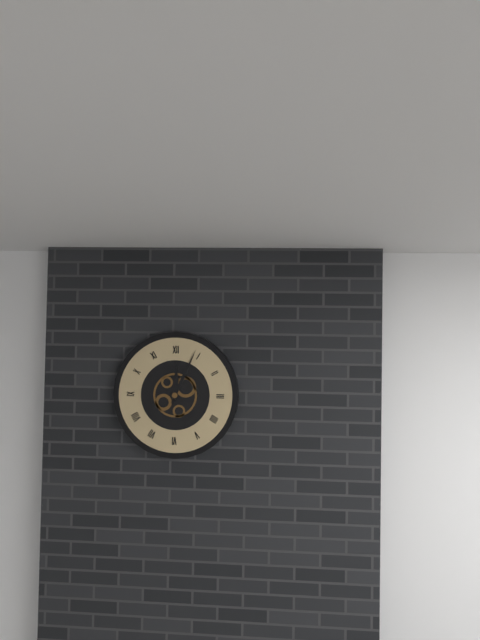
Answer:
**12:04**
